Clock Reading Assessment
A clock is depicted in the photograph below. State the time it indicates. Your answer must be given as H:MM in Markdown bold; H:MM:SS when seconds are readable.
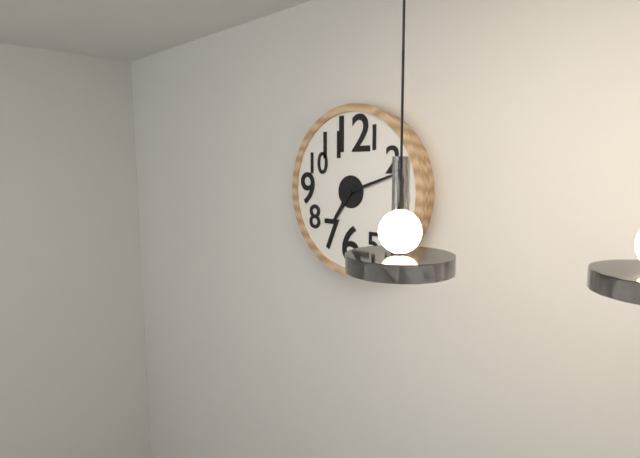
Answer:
**7:12**
